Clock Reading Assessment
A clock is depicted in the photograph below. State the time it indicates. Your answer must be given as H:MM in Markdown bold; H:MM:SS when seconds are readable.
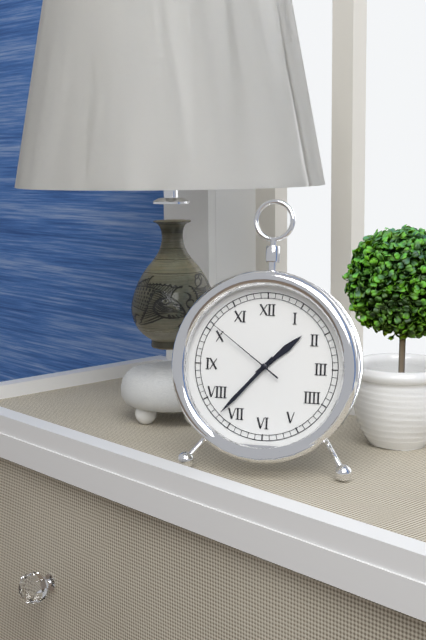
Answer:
**1:37:51**
